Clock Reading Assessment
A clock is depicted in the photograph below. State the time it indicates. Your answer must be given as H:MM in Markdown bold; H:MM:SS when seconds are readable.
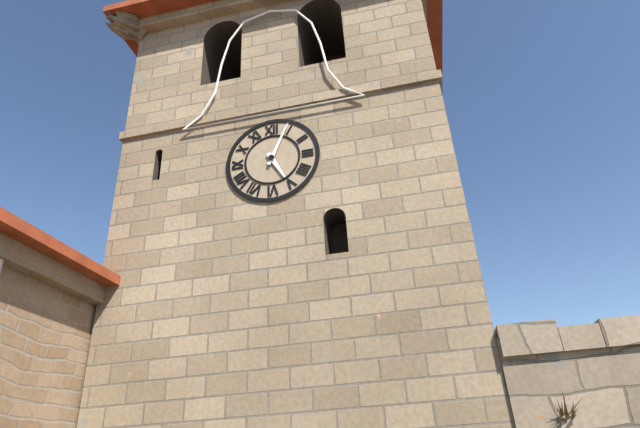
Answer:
**5:04**
